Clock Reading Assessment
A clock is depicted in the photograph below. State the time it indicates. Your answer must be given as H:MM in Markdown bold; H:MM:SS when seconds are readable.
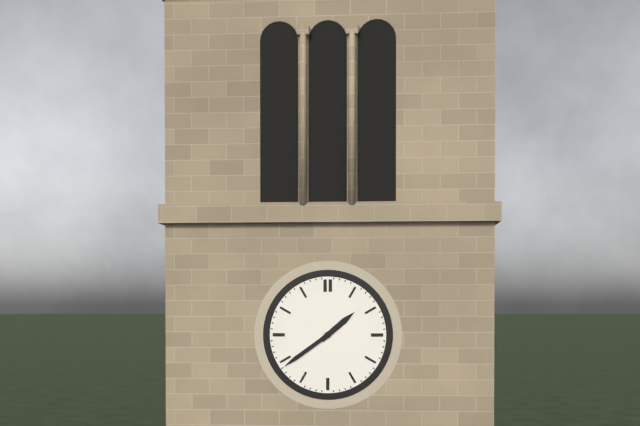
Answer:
**1:39**
